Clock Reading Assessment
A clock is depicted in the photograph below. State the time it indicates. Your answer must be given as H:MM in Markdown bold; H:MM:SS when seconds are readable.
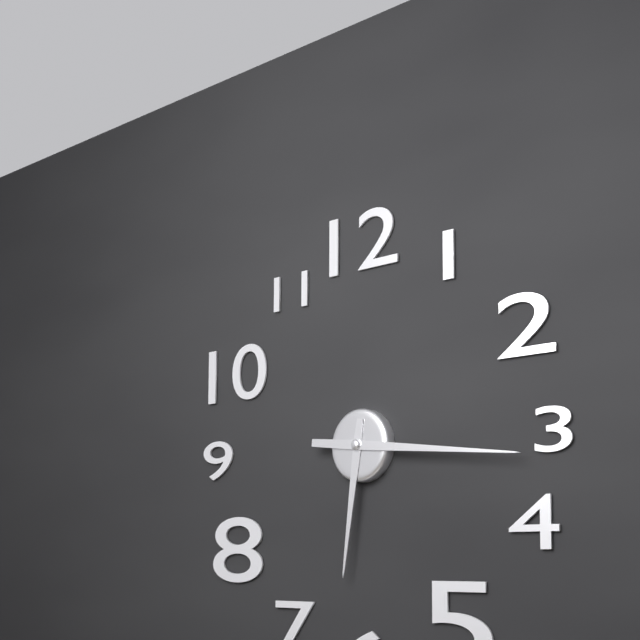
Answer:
**6:16**
